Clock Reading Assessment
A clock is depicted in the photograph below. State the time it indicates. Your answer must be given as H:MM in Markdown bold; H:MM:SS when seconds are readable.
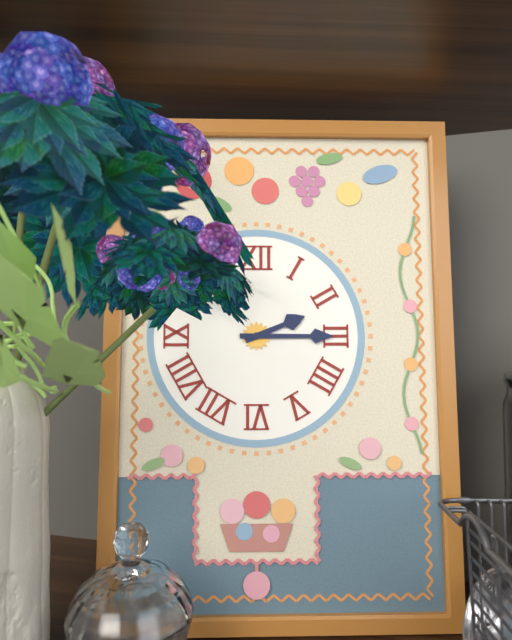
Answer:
**2:15**
